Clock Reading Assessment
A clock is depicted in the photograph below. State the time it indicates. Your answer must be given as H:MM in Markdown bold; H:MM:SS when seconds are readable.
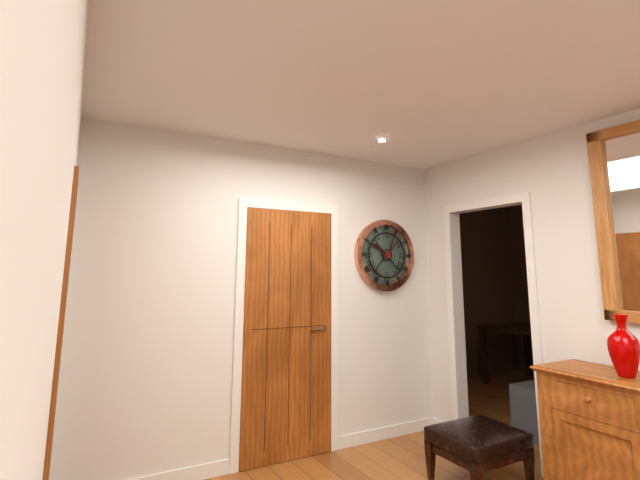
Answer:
**10:04**
